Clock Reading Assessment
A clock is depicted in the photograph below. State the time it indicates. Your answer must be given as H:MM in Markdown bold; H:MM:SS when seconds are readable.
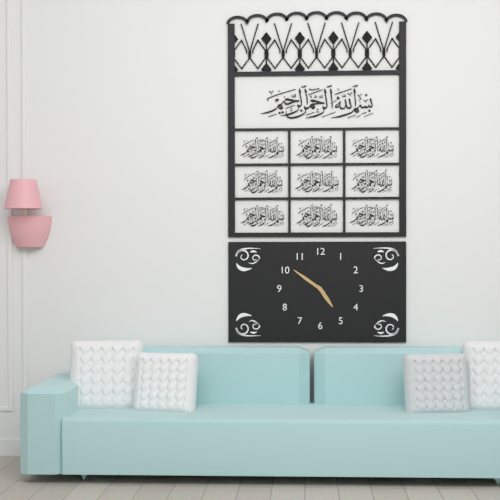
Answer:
**4:51**
